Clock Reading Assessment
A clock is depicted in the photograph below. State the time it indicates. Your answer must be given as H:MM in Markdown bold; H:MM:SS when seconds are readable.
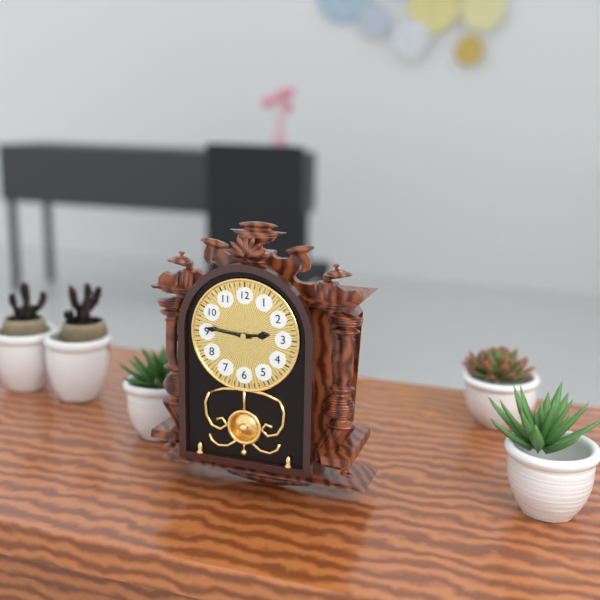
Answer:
**2:46**
